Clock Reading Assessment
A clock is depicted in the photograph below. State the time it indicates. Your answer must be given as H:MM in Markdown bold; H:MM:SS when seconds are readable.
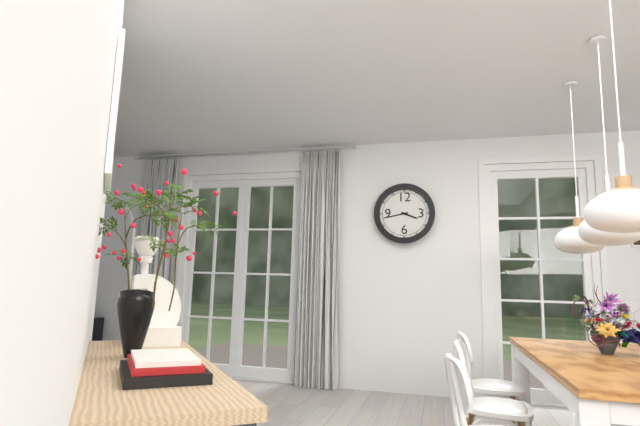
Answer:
**3:43**
